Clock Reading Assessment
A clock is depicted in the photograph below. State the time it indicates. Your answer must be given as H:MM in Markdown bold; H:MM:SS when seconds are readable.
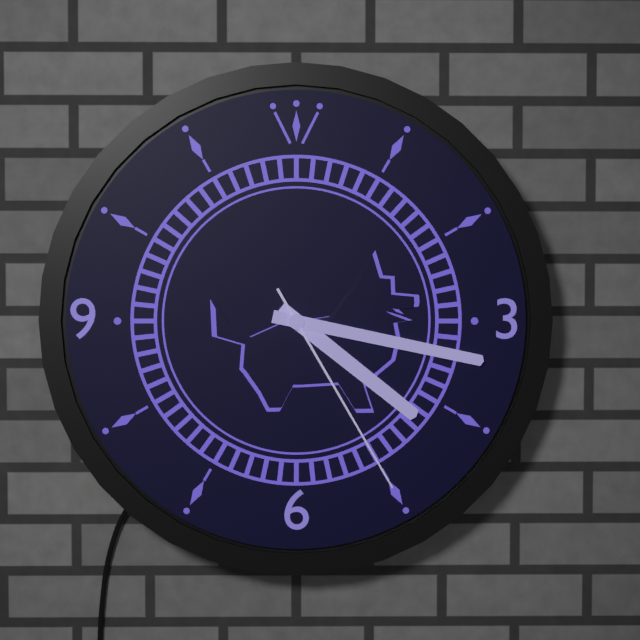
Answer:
**4:17:25**
